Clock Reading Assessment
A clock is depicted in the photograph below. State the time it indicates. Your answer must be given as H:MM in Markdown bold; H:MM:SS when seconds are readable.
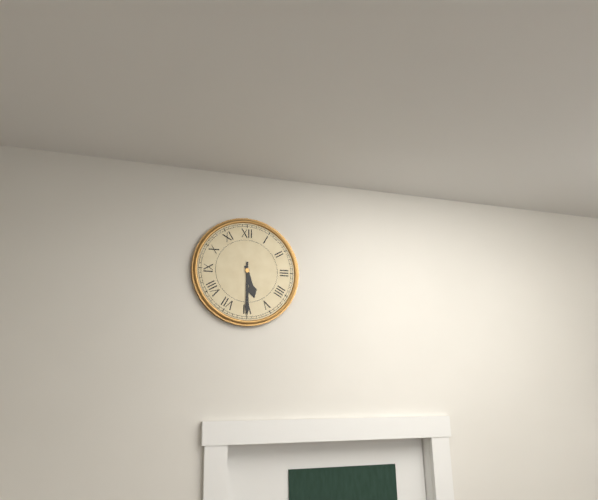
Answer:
**5:30**
